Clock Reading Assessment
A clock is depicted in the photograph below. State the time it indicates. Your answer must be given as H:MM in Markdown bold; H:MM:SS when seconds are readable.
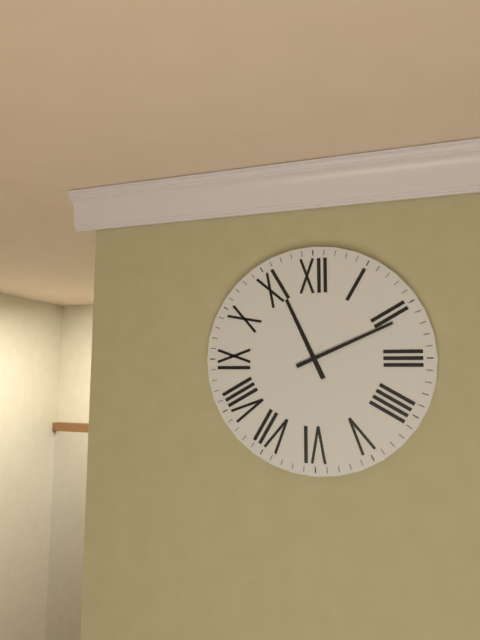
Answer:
**11:11**
